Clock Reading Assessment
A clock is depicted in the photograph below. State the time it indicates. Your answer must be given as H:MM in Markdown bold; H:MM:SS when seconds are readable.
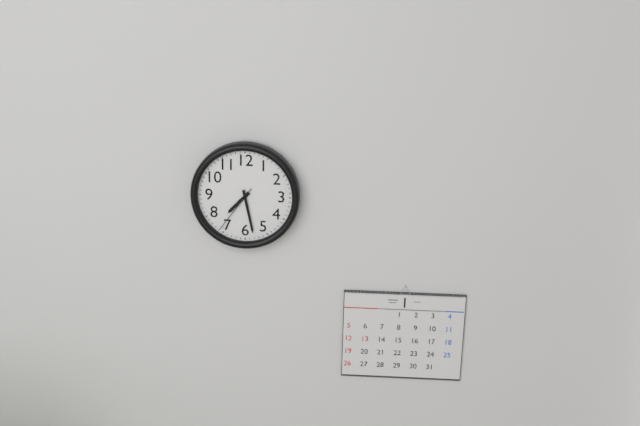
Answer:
**7:28:36**
